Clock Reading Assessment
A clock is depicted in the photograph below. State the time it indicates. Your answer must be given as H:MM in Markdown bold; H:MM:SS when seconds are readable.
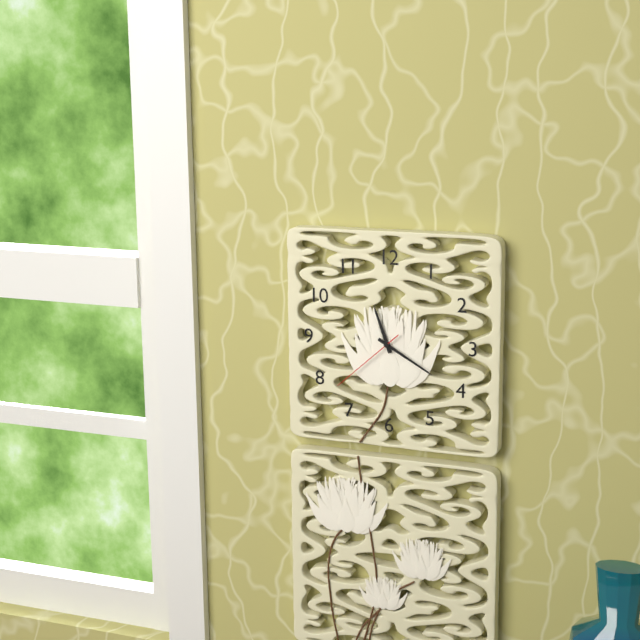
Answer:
**11:20:38**
